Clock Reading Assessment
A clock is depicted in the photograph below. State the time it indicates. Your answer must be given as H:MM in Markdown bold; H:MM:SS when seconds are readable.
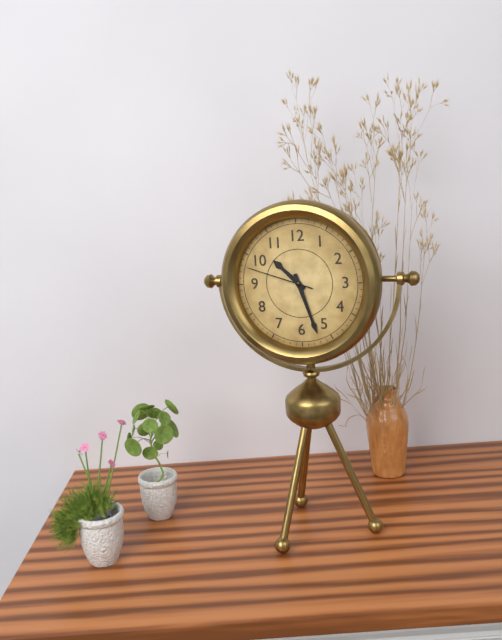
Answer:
**10:27:48**
